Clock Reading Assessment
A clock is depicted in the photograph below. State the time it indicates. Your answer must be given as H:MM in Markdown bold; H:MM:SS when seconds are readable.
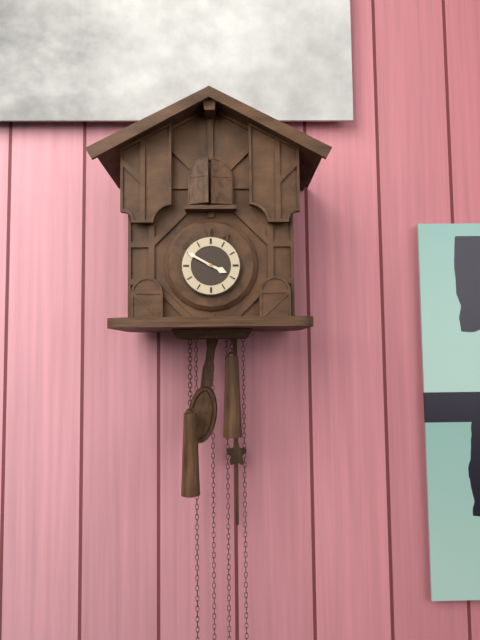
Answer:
**3:50**
